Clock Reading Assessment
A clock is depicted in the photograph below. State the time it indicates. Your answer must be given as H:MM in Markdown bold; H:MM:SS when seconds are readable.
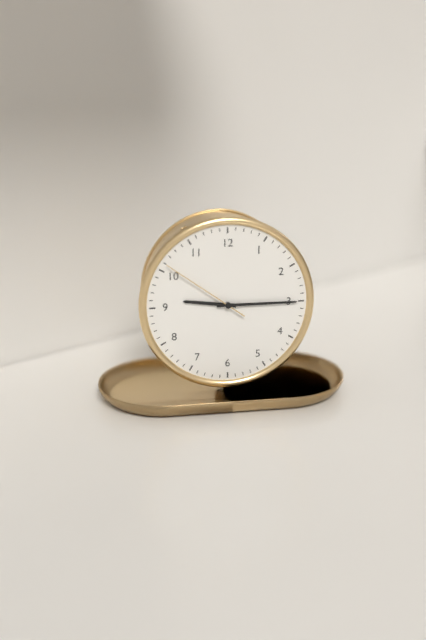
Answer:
**9:15:51**
